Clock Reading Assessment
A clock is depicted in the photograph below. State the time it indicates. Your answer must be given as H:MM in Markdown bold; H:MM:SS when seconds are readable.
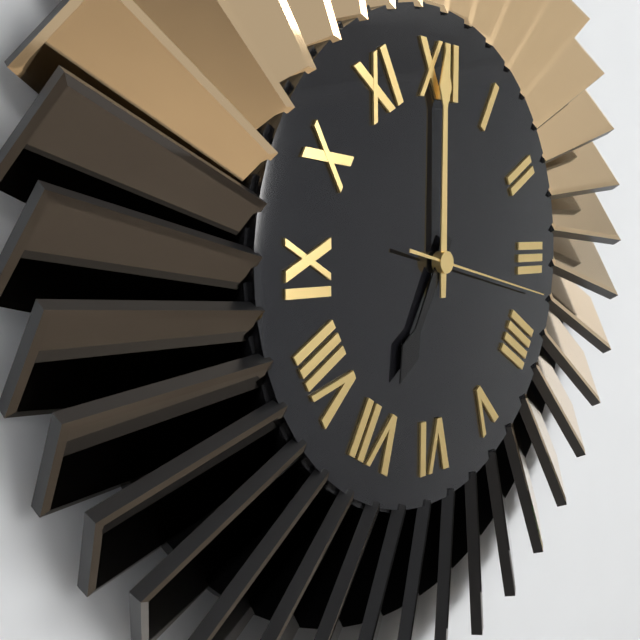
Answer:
**7:00:17**
